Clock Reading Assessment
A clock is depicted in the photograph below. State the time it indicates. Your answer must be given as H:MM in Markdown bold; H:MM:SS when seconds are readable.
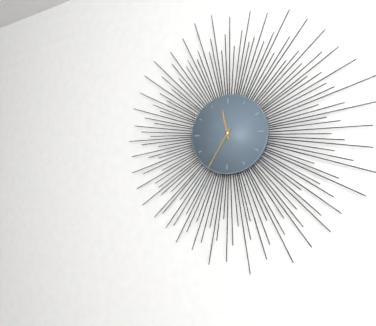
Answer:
**11:35**
